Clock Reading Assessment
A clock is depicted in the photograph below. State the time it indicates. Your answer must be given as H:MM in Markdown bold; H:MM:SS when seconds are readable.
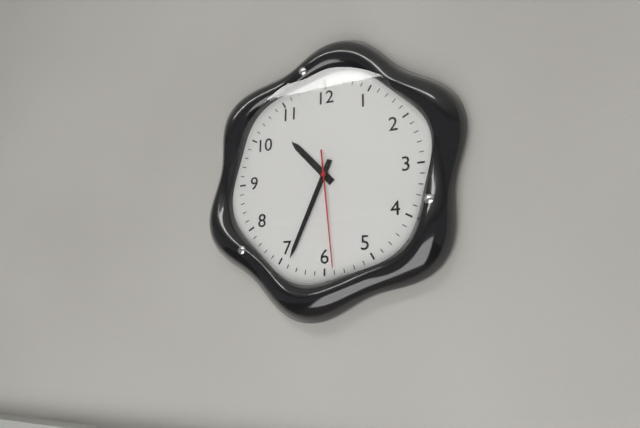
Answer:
**10:34:29**
